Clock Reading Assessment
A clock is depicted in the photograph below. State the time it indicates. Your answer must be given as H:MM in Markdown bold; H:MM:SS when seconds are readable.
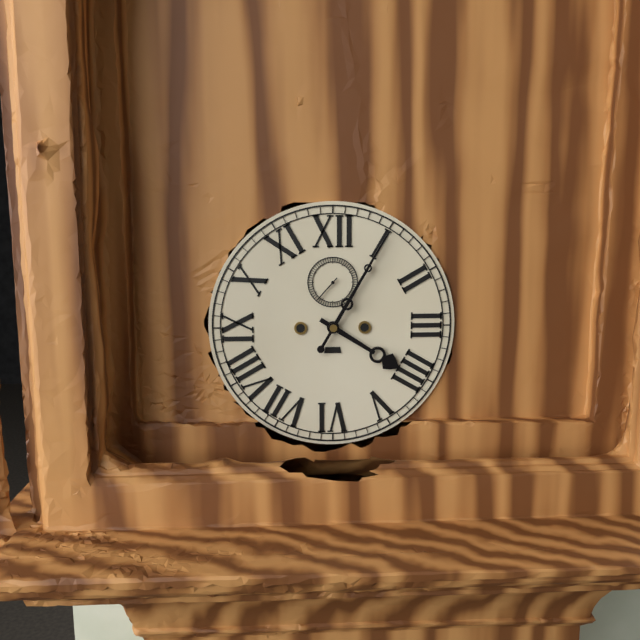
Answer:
**4:05**
